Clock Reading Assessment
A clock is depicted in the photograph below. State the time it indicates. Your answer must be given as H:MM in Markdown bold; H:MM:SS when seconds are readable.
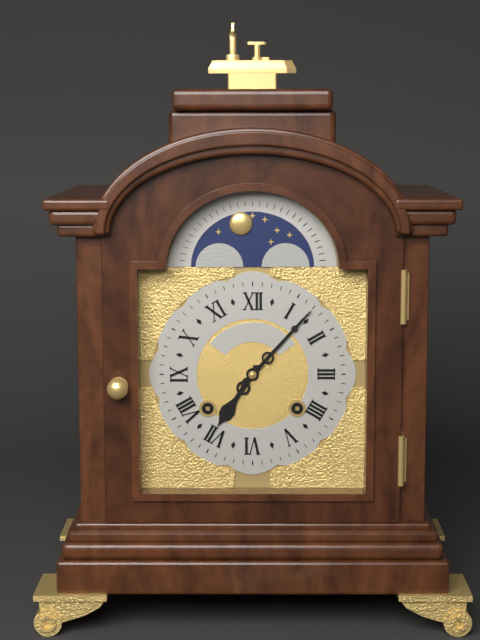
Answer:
**7:07**
